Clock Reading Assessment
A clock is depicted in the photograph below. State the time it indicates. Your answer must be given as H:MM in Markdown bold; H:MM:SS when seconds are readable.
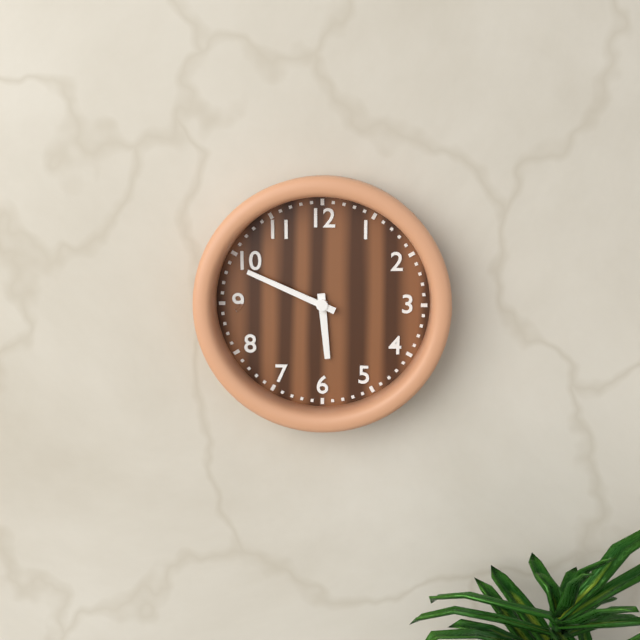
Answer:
**5:49**
